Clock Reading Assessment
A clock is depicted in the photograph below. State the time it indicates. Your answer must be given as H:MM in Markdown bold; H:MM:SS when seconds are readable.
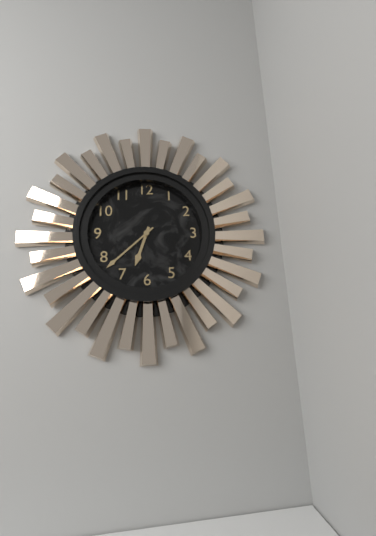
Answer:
**6:38**
